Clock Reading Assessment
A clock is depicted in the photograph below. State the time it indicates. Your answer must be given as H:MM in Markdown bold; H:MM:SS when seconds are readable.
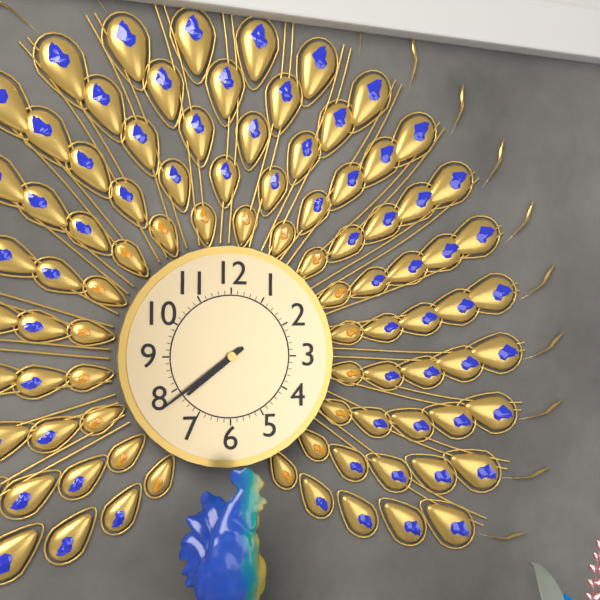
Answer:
**7:39**
